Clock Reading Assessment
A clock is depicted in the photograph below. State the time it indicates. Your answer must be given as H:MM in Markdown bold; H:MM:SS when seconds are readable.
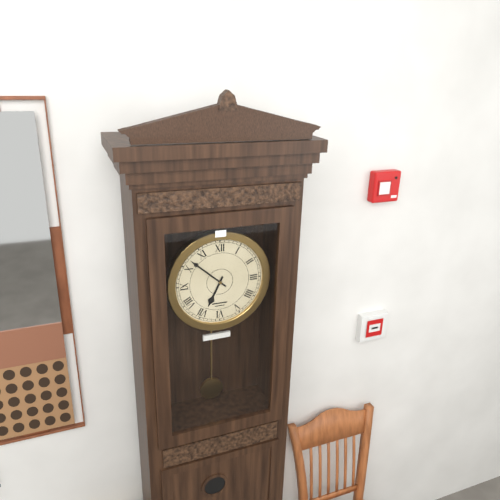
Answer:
**6:52**
